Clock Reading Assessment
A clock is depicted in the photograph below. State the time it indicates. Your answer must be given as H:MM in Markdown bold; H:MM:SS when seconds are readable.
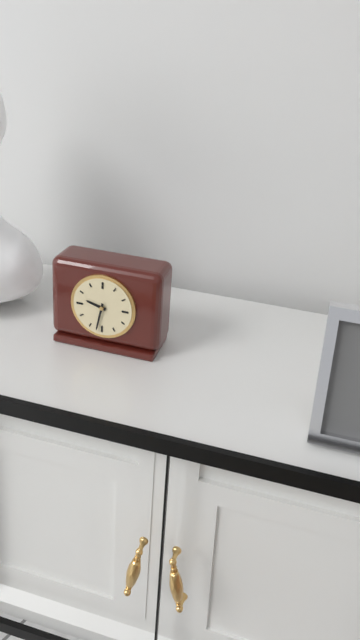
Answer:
**9:32**
